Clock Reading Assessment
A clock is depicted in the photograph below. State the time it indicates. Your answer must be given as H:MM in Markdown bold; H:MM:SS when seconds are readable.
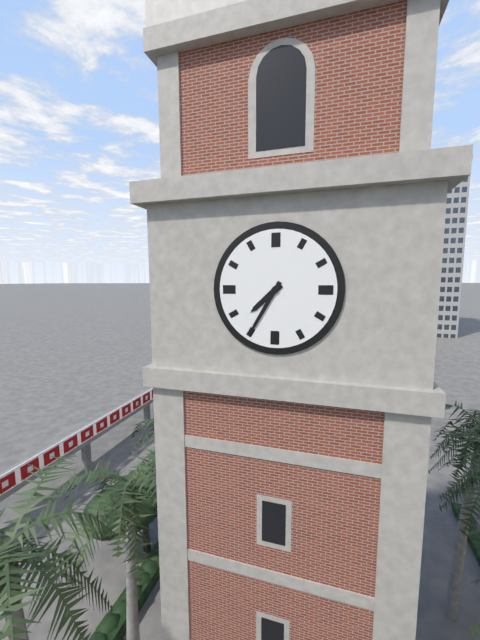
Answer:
**7:35**
